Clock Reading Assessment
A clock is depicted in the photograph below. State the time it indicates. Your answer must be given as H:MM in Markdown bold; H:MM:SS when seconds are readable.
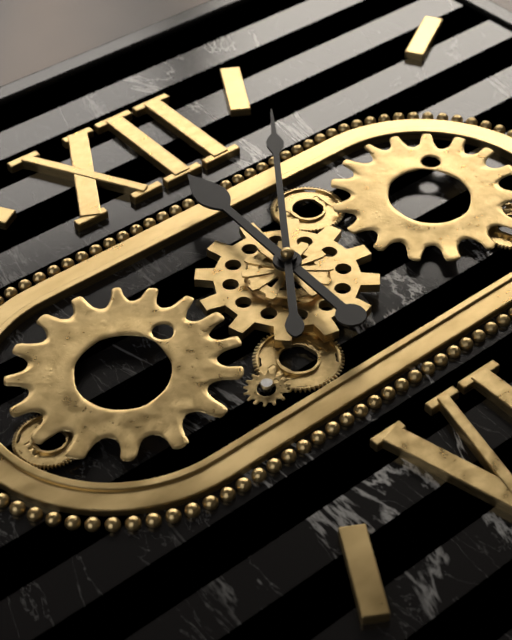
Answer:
**12:06**
